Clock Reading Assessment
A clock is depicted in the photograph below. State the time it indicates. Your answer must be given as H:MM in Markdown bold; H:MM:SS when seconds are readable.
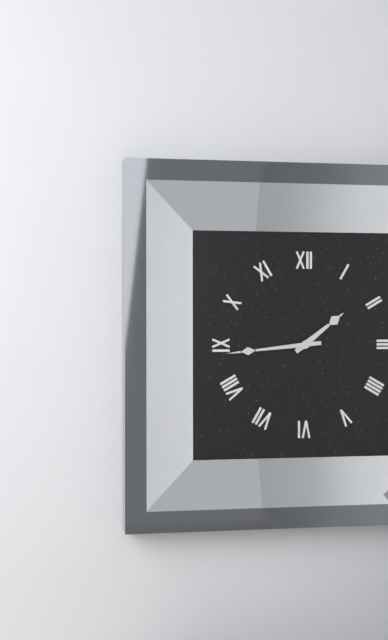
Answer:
**1:44**
